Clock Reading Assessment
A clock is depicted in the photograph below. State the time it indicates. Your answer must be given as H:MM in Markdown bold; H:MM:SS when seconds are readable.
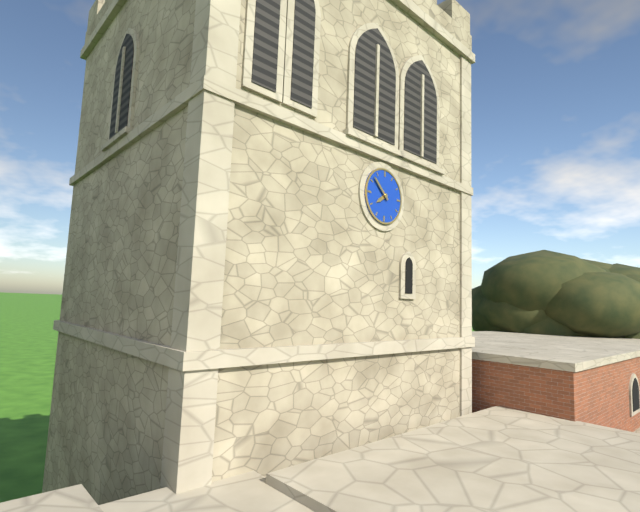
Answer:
**7:52**
